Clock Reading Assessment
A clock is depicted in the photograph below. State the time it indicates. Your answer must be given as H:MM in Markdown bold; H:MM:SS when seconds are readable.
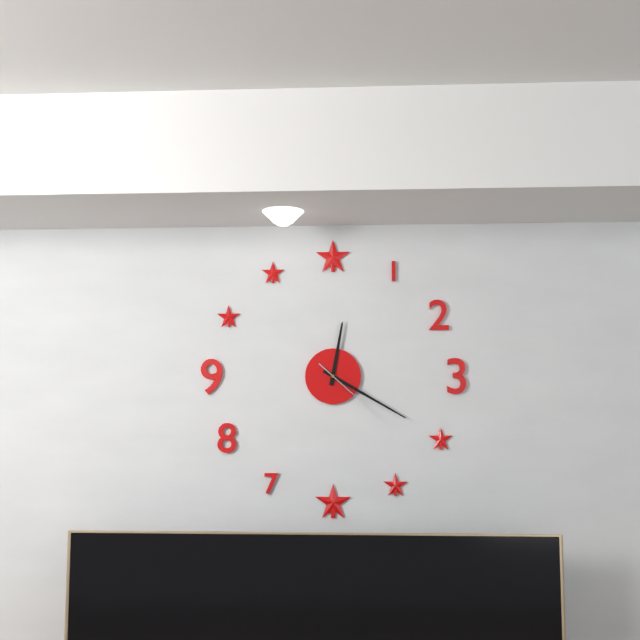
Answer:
**12:20:22**
